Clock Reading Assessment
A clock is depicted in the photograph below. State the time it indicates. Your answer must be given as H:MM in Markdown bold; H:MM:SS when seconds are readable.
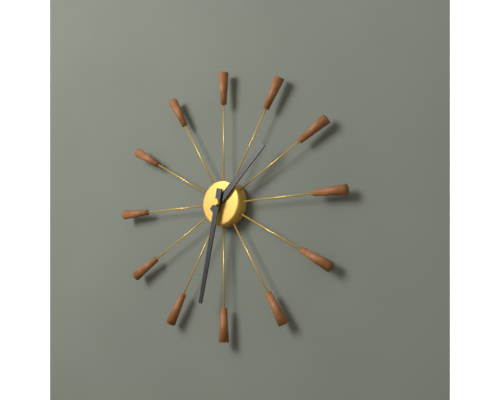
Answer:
**1:32**
